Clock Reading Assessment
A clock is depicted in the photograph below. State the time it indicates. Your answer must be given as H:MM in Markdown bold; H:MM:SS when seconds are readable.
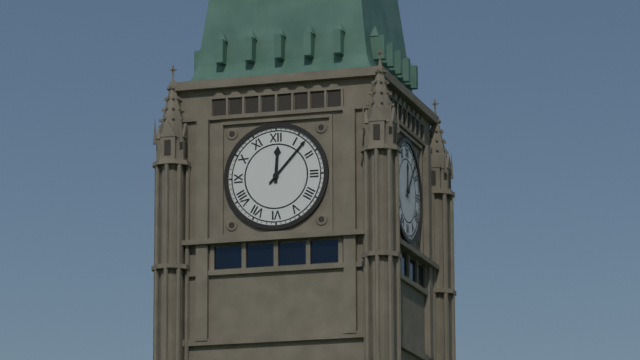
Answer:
**12:07**
